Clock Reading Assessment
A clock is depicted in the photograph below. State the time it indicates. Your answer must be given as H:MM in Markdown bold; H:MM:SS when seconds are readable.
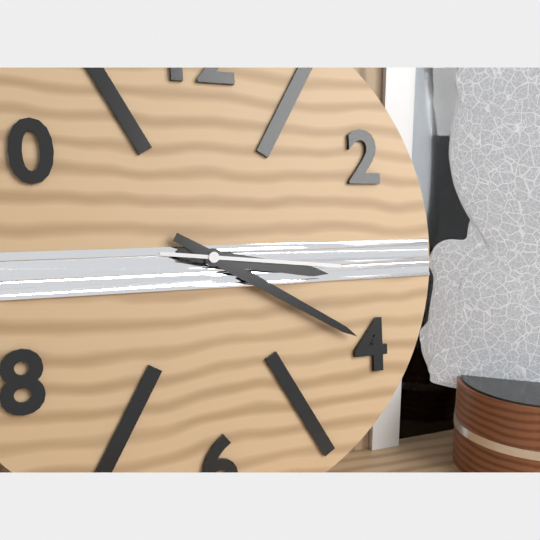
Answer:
**3:20:16**
